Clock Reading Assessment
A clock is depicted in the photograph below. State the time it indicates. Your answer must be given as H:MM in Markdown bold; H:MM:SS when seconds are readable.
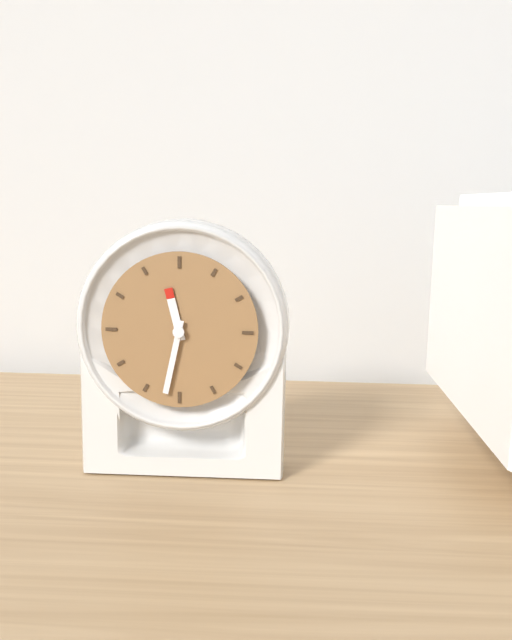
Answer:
**11:32**
